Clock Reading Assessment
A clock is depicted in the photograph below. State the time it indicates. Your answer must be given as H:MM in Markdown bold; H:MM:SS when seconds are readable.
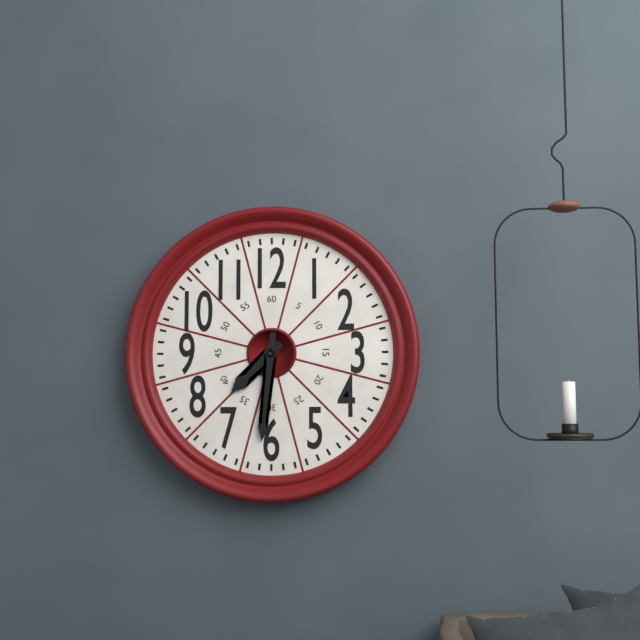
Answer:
**7:31**
